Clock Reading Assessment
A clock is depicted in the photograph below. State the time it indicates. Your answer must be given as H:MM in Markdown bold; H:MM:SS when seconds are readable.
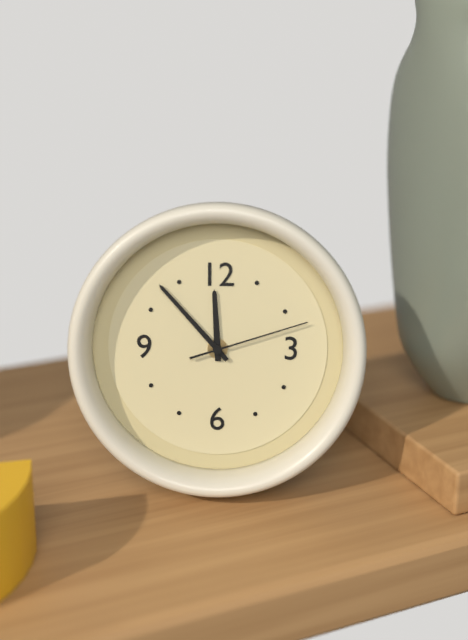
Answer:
**11:53:12**
